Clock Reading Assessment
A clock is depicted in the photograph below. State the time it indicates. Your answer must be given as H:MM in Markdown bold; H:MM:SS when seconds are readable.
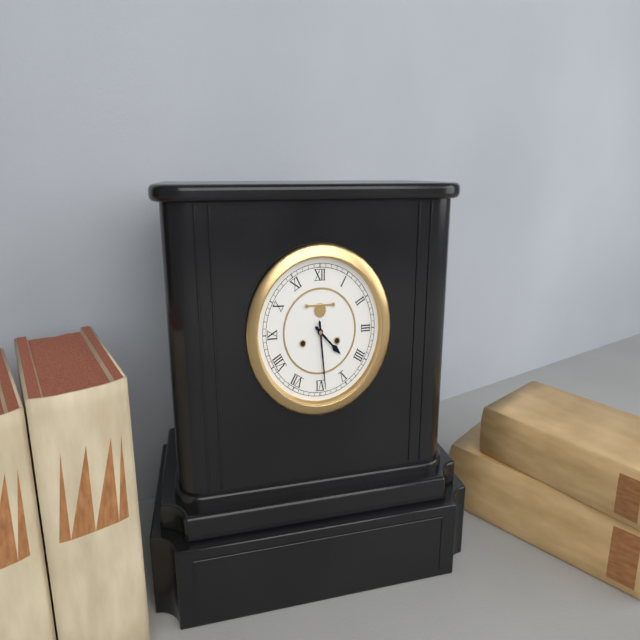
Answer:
**4:29**
